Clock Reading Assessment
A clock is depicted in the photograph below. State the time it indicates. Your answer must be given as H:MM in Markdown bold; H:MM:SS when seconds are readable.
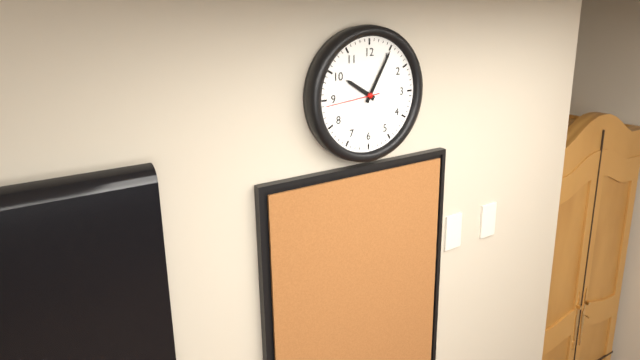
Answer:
**10:05:44**
